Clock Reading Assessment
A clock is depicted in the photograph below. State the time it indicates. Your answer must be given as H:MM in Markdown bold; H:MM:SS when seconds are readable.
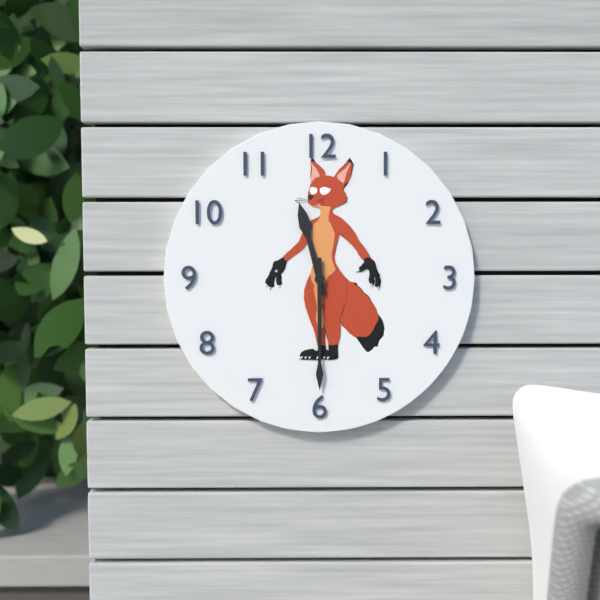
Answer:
**11:30**
